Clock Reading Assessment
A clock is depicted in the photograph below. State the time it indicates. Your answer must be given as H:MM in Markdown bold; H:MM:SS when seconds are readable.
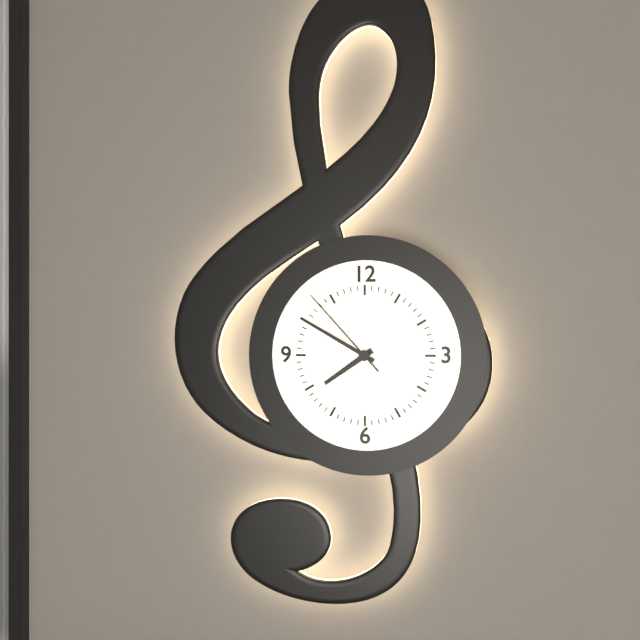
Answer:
**7:50:53**
